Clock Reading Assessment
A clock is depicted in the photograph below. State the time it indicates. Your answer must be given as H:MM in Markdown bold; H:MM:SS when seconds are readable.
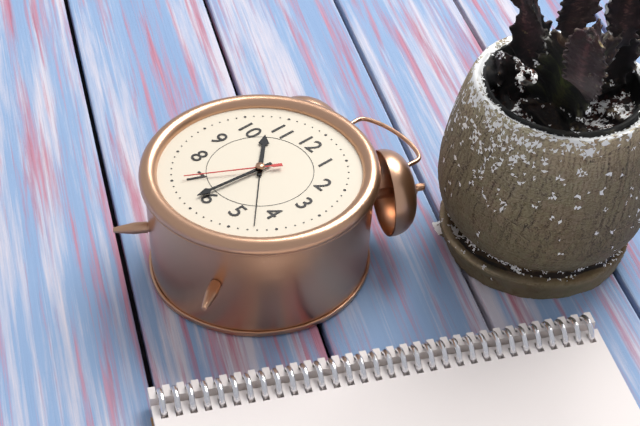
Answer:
**10:31:35**
